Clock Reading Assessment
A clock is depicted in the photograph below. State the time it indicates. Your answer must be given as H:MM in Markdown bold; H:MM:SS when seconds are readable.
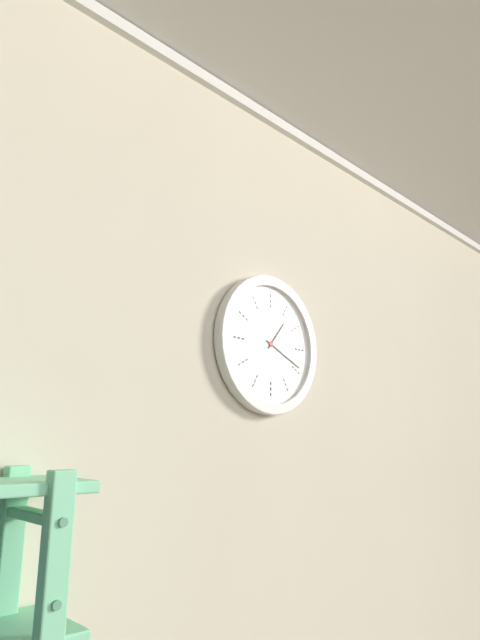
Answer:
**1:19**
